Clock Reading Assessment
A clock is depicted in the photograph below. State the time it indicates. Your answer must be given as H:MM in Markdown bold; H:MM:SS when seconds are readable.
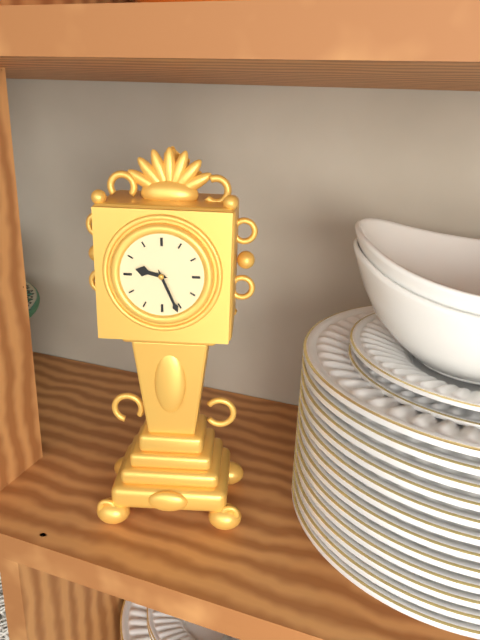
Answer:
**9:26**
